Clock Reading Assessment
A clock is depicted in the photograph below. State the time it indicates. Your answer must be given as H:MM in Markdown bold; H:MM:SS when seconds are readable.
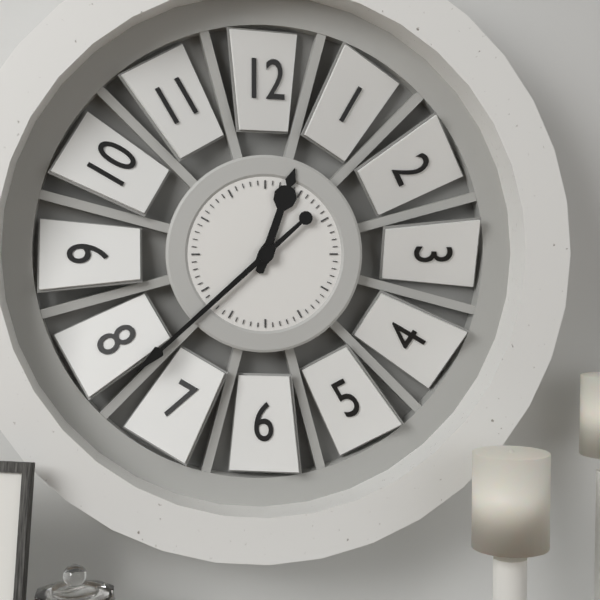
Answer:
**12:38**
